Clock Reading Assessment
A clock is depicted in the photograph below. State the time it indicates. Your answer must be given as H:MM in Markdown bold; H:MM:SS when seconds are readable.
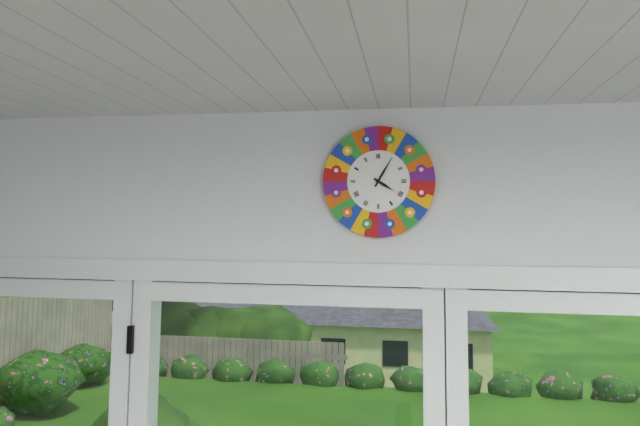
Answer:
**4:05**
